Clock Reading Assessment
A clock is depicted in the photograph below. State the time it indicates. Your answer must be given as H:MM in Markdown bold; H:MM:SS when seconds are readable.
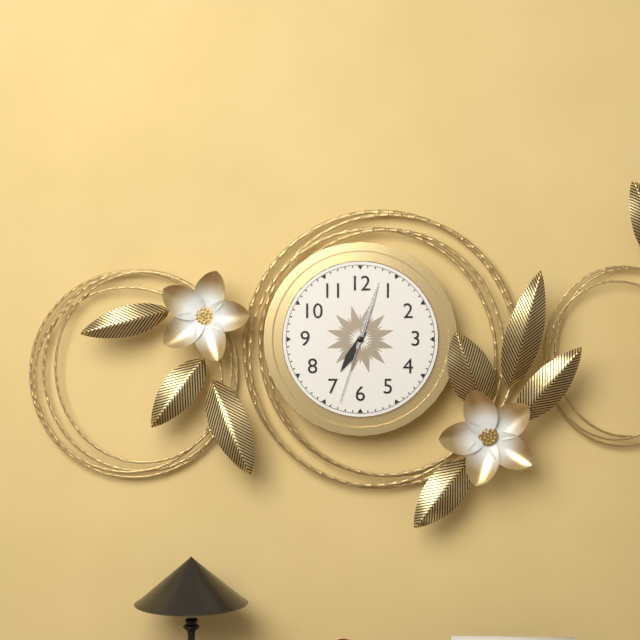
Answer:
**7:03:33**
